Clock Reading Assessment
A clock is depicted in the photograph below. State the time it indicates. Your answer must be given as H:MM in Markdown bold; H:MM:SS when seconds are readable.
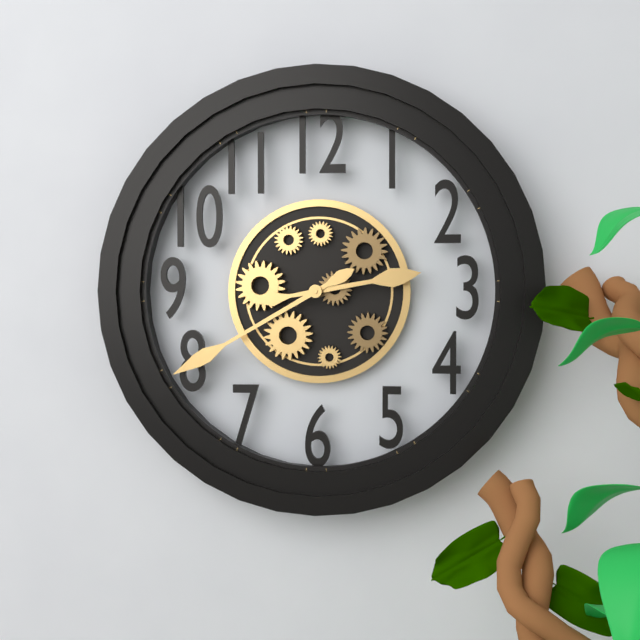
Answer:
**2:40**
